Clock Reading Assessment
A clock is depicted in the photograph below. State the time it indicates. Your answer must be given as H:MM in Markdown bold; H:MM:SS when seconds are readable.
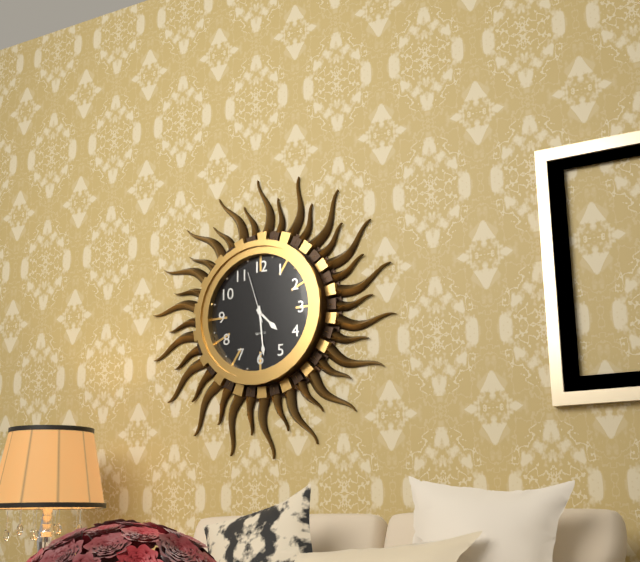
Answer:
**4:29:57**
